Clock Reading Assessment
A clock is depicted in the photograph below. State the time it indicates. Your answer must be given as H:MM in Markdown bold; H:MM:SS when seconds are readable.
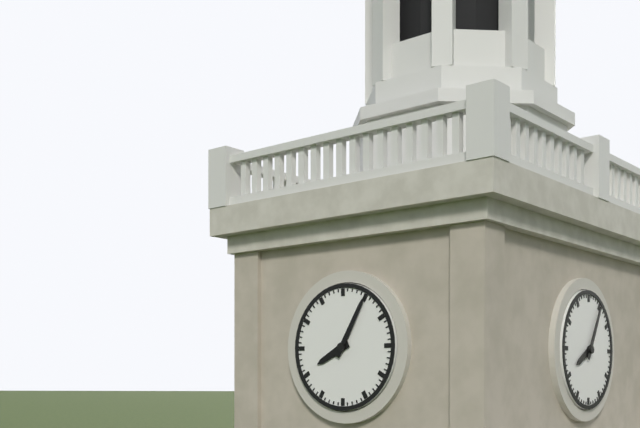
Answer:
**8:05**
